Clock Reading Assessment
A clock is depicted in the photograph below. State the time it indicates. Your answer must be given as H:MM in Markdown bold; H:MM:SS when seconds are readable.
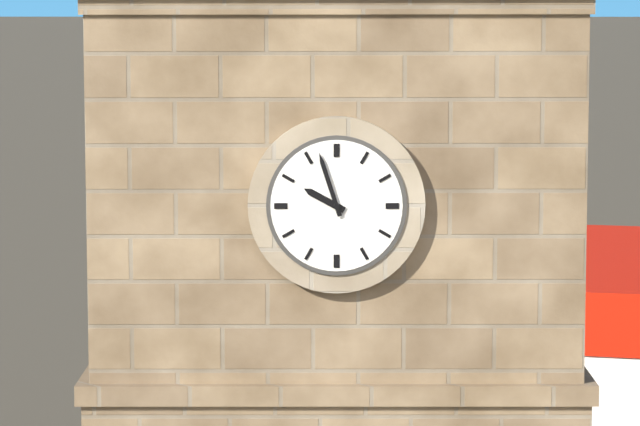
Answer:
**9:57**
